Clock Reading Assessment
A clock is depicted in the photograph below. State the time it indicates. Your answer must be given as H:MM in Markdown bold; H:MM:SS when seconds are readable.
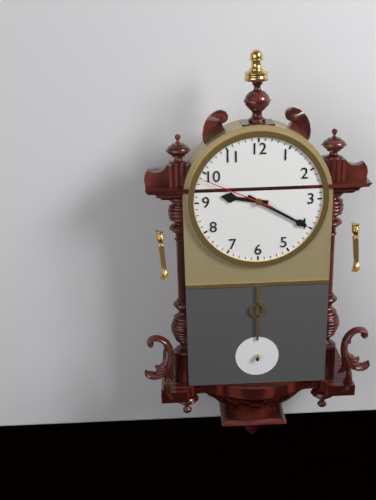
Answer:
**9:20:49**
